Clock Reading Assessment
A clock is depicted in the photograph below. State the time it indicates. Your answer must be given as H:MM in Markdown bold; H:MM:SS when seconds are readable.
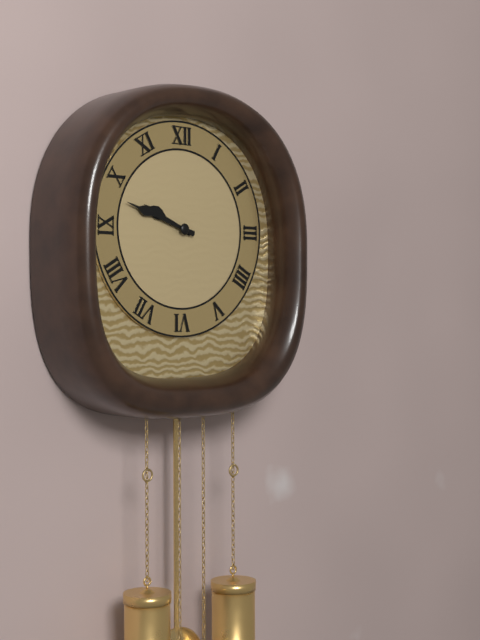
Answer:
**9:48**
